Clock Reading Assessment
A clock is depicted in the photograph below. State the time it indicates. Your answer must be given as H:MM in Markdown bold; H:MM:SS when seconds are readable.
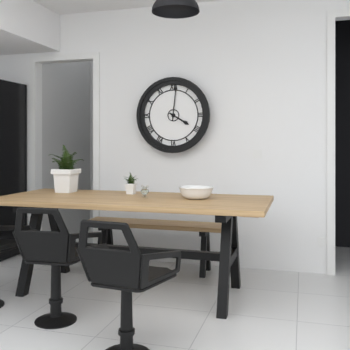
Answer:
**4:01**
